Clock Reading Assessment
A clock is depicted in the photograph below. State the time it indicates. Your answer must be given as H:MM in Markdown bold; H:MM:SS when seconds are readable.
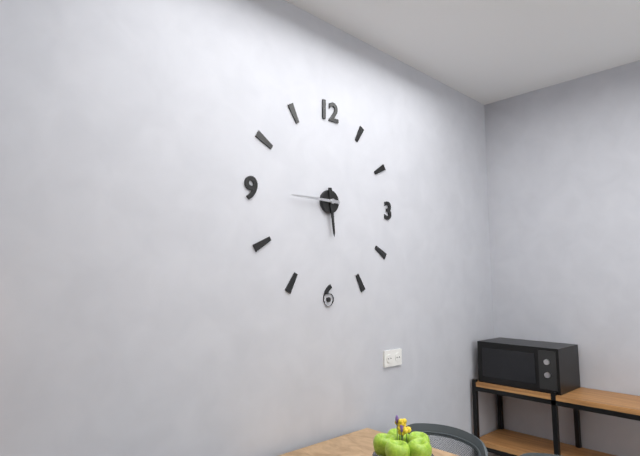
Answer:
**5:45**
